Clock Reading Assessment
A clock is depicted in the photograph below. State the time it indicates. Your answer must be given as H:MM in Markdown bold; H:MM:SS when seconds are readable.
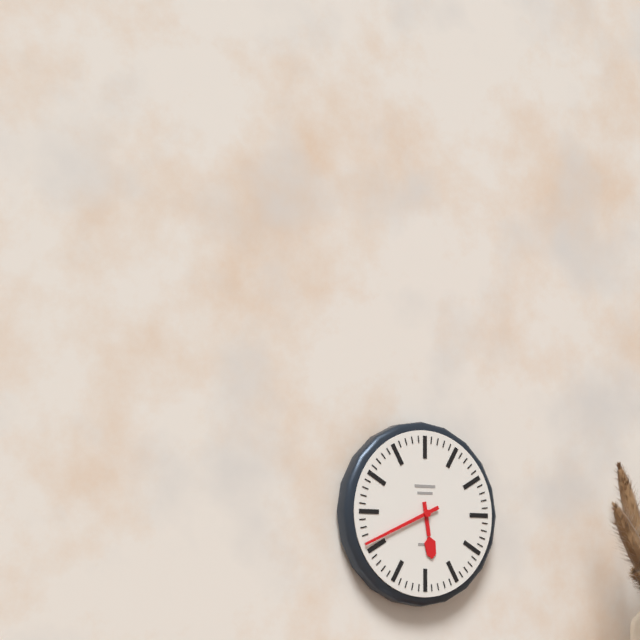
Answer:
**5:41**
